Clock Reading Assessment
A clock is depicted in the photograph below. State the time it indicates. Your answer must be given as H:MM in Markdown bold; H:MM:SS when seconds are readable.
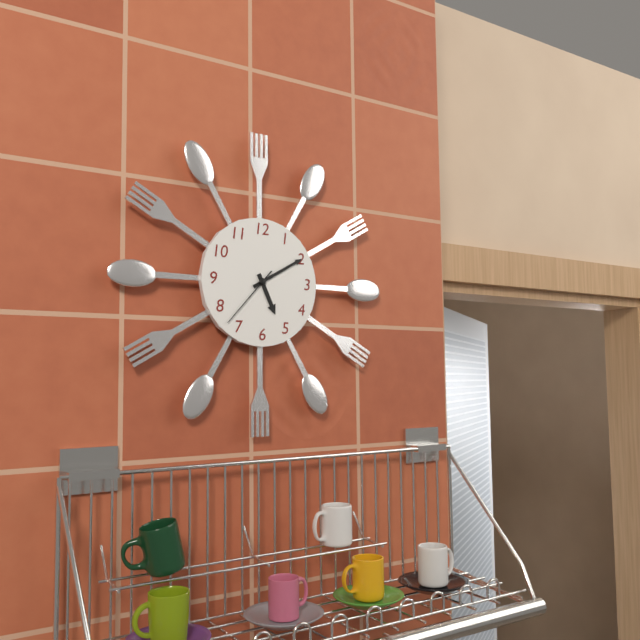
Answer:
**5:10:37**
